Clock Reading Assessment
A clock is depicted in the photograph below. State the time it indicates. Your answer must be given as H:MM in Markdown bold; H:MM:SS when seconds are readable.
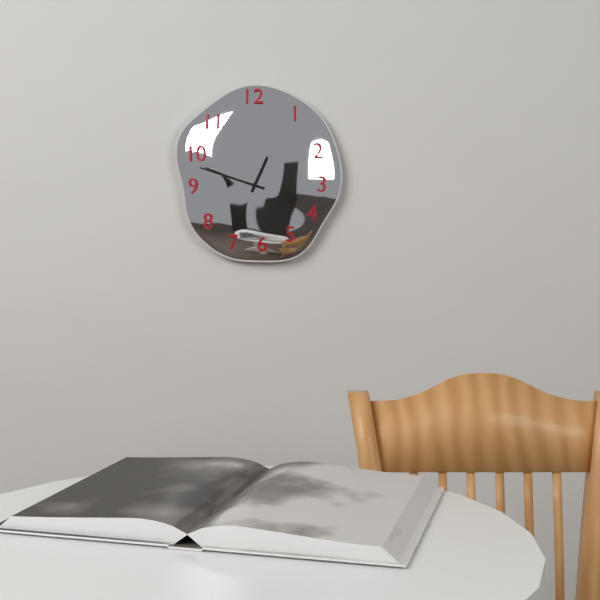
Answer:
**12:48**
